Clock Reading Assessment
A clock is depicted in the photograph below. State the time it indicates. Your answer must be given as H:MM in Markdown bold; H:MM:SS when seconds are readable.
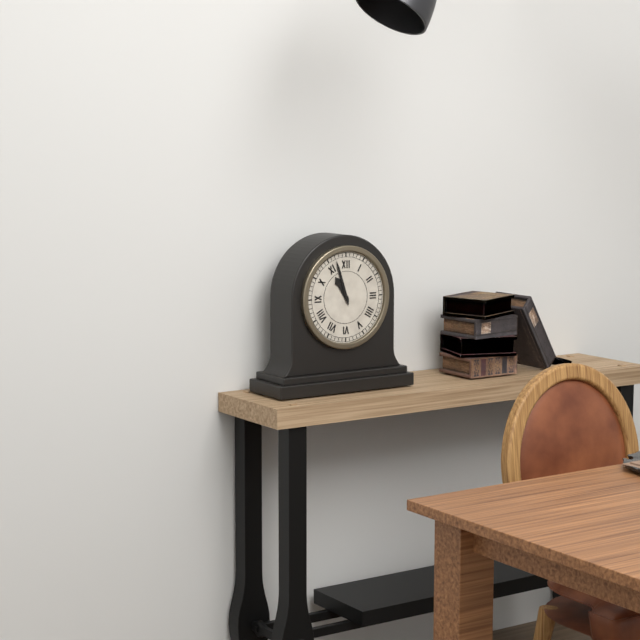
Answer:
**10:57**
